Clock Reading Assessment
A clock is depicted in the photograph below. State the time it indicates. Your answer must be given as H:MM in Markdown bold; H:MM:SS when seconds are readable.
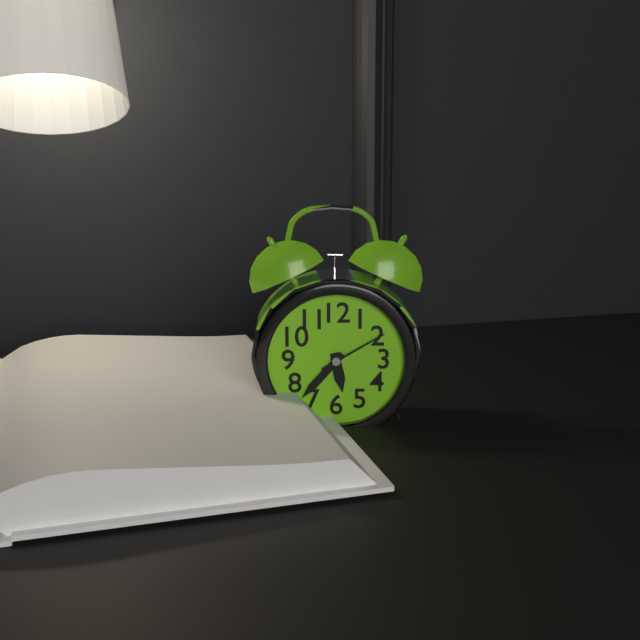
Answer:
**5:37:10**
